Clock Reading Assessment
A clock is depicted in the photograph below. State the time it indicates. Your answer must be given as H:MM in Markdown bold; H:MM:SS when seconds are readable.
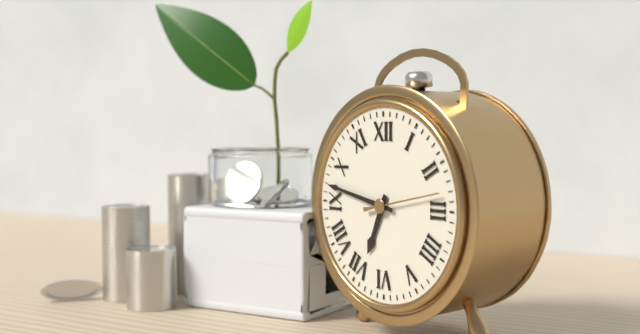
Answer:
**6:47:13**
